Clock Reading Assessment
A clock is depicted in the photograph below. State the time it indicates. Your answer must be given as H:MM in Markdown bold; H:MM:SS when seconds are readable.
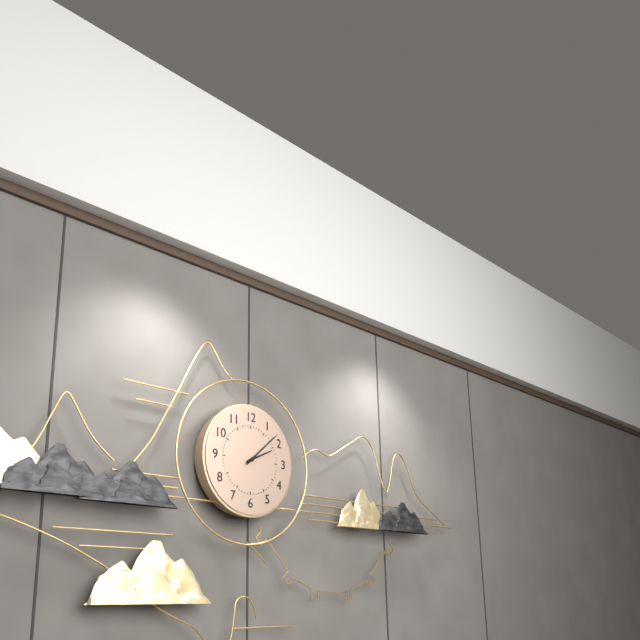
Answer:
**2:08**
